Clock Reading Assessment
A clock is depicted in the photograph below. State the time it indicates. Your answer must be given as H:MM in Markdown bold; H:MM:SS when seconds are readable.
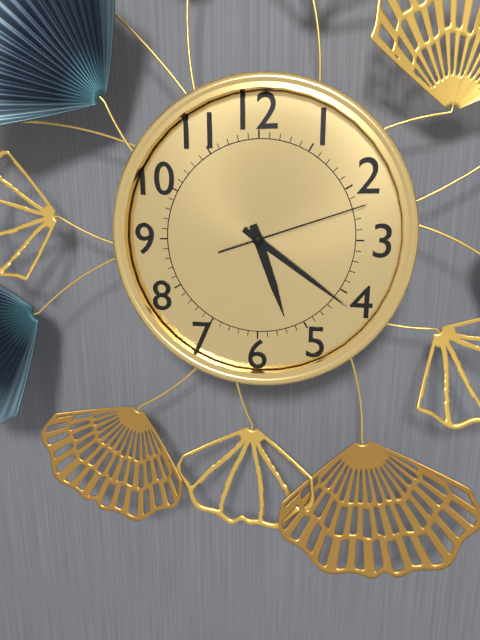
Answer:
**5:21:12**
